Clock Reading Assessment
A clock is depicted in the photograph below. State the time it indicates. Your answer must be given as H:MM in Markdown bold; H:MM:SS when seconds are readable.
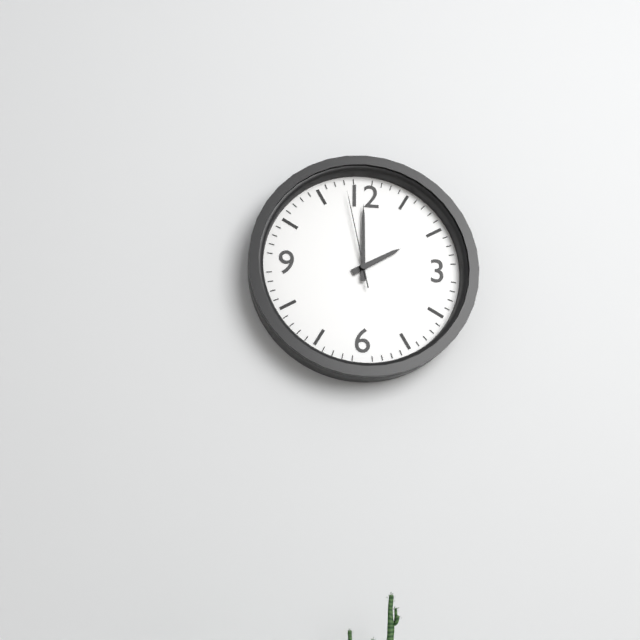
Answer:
**2:00:58**
